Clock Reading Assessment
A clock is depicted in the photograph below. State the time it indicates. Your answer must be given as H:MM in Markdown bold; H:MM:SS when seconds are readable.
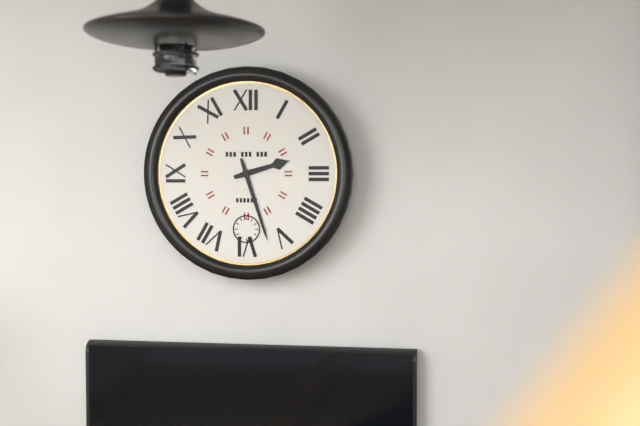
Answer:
**2:27**
